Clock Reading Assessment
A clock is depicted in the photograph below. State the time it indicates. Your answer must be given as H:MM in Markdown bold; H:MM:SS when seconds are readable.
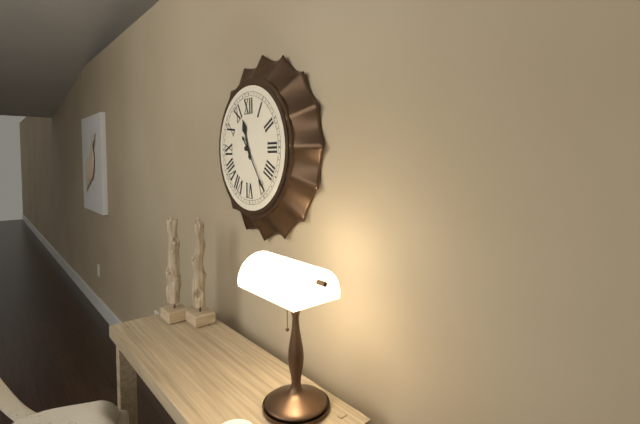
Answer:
**11:24**
